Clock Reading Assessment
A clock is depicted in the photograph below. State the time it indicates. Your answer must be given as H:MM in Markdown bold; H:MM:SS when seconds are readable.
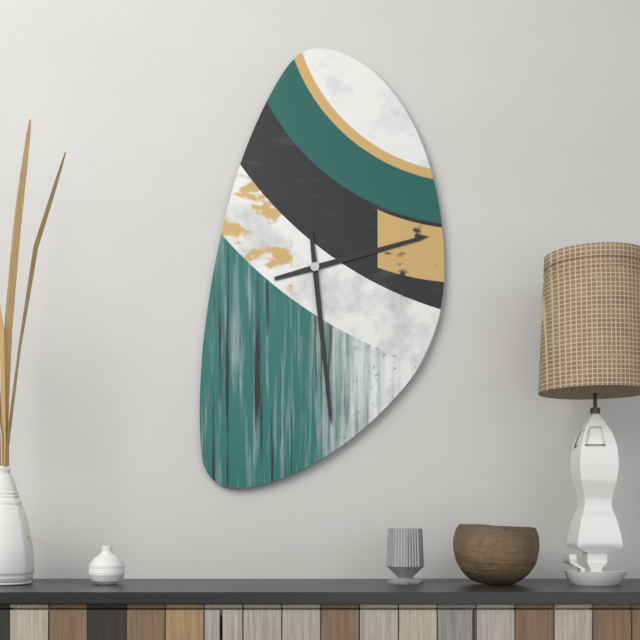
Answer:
**2:29**
